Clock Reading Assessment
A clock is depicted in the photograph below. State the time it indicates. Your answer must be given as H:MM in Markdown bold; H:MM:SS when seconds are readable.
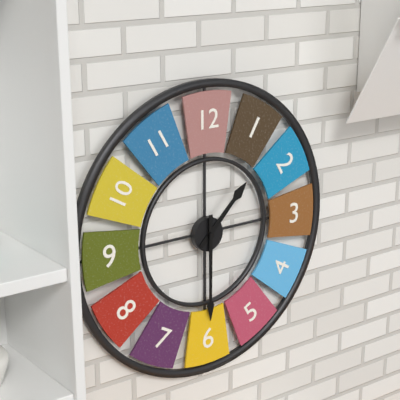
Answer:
**1:30**
